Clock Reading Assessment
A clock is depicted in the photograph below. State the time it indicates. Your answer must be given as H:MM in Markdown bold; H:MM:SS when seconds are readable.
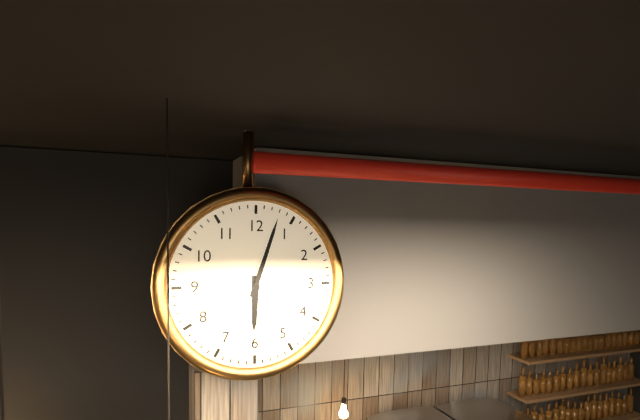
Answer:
**6:03**
